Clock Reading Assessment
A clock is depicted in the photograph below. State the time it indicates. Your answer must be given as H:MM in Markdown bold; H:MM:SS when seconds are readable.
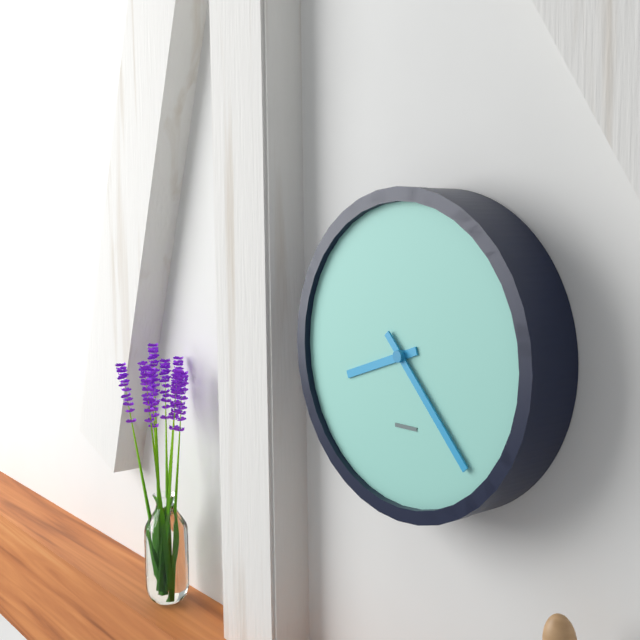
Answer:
**8:23**
